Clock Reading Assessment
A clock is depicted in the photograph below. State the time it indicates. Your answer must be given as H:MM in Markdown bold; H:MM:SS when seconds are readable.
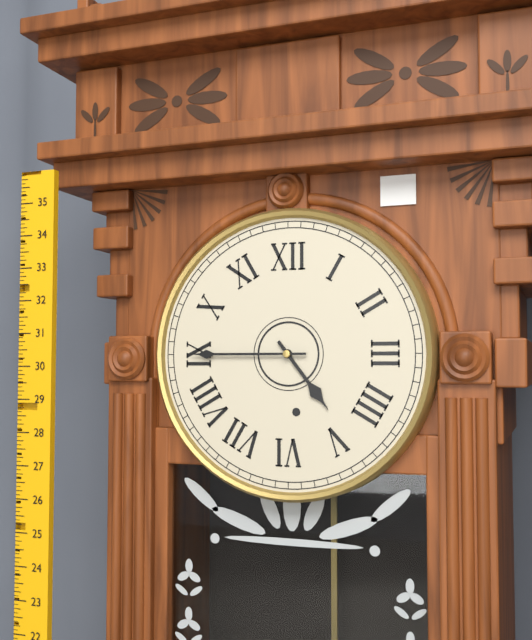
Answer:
**4:45**
